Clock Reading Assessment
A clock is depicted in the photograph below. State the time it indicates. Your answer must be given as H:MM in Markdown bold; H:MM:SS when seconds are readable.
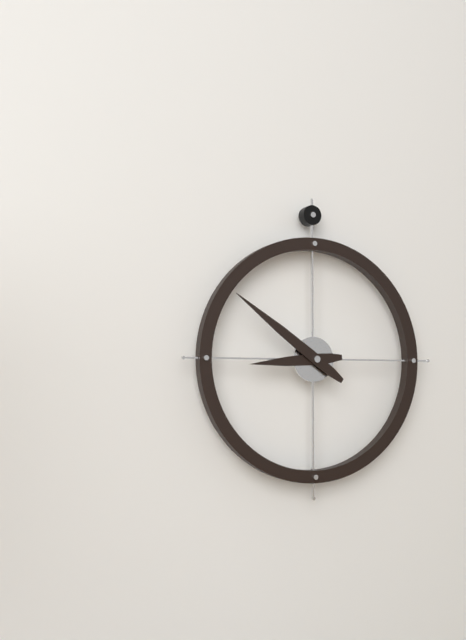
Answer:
**8:51**
